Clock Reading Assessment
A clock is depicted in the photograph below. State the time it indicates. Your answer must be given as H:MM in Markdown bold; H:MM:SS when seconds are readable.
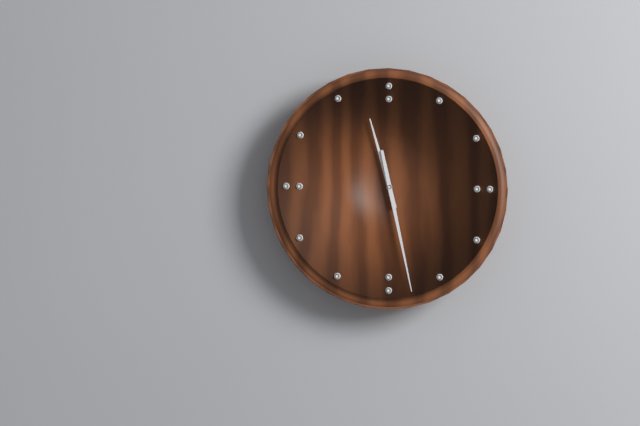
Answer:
**11:28**
